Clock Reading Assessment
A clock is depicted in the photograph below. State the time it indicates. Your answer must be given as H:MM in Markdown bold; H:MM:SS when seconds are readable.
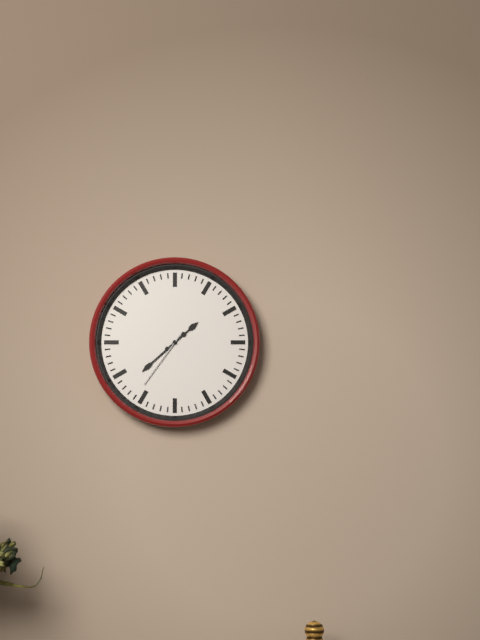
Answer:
**1:38:36**
